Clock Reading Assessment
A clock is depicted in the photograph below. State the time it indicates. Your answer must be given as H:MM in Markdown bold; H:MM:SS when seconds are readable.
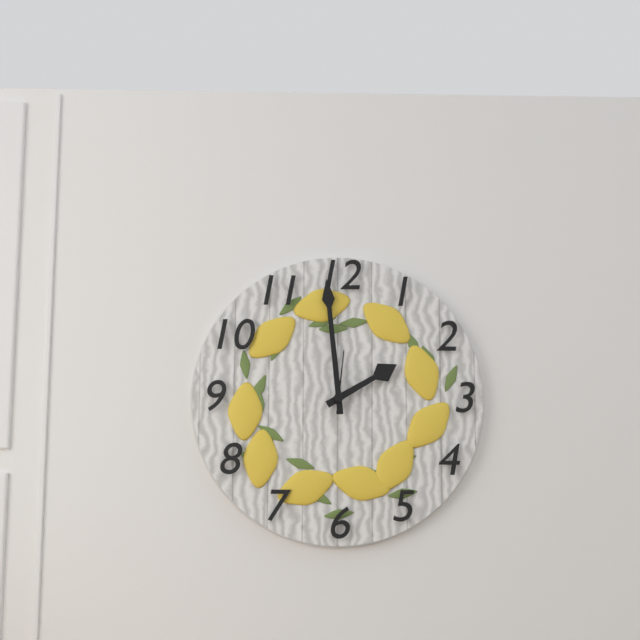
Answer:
**1:59:01**
